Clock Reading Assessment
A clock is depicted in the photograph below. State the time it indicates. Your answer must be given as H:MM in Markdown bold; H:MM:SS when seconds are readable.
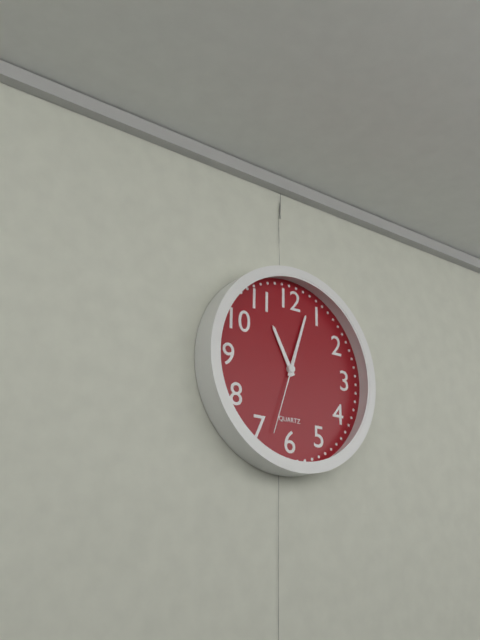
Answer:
**11:03:33**
